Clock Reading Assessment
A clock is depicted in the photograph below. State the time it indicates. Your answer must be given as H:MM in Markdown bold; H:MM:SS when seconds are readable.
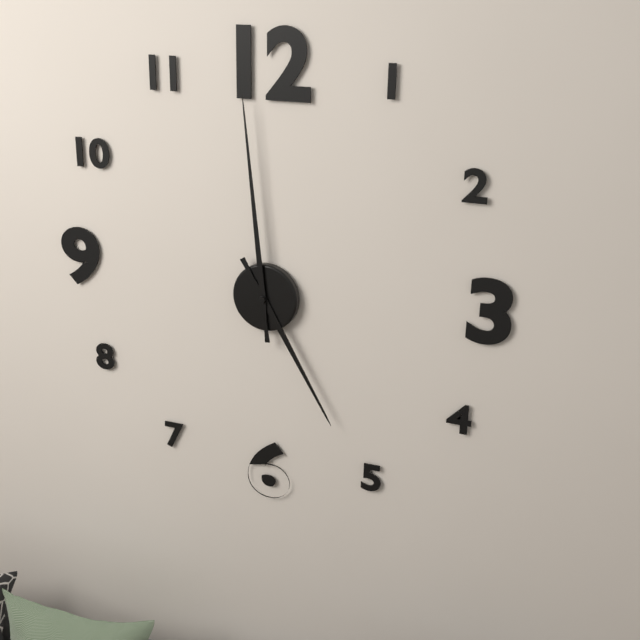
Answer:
**4:59**
